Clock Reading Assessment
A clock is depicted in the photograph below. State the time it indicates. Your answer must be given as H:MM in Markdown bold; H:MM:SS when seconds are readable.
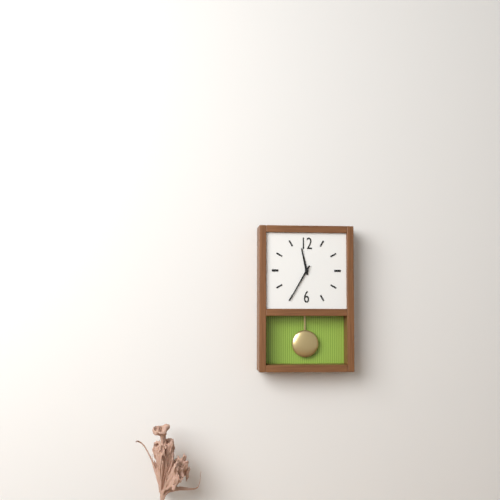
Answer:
**11:35**
